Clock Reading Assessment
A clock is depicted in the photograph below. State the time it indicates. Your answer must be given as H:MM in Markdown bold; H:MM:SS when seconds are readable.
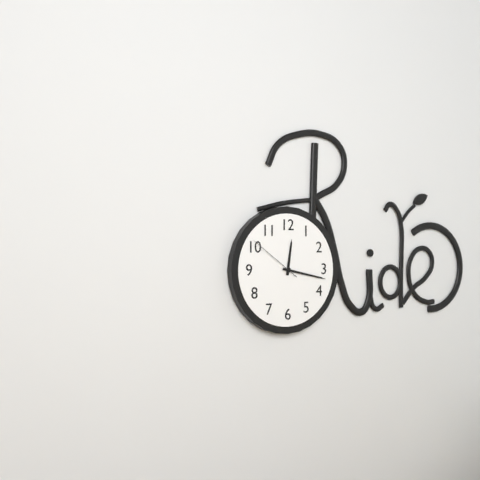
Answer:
**12:17:51**
